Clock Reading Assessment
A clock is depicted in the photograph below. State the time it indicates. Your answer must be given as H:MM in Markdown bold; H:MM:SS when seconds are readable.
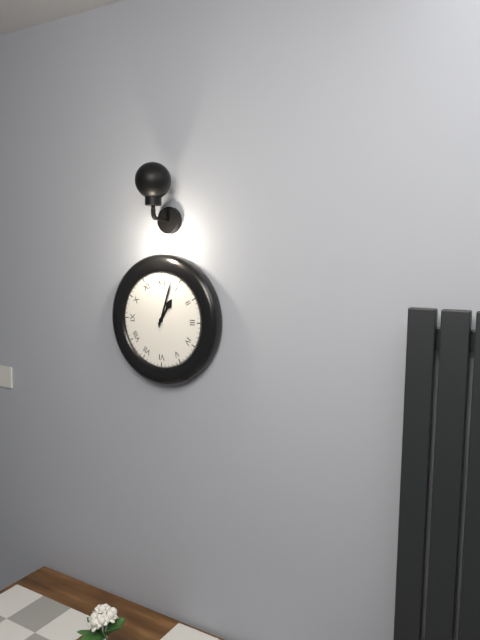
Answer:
**1:03**
